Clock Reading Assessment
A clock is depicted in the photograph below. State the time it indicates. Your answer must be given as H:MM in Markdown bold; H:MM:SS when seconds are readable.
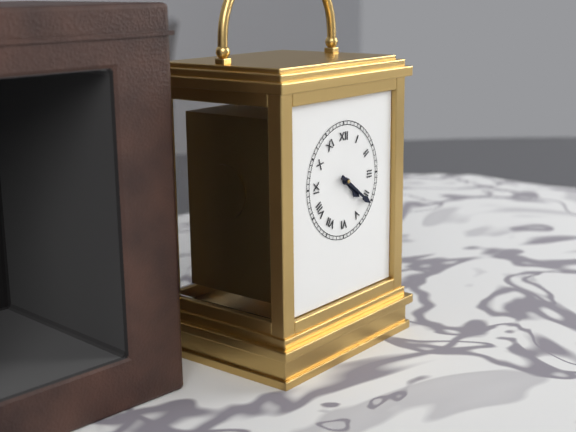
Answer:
**4:21**
